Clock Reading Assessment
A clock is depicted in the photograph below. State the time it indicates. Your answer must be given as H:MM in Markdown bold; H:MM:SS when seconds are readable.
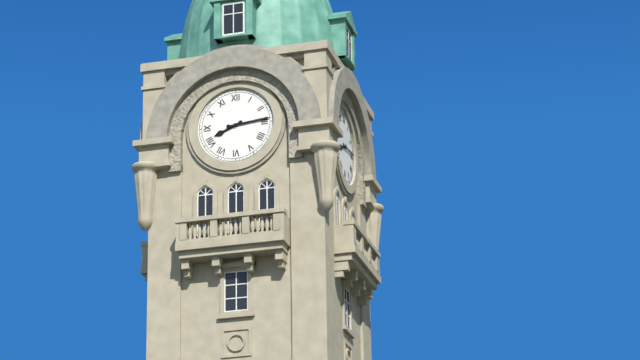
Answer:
**8:14**
